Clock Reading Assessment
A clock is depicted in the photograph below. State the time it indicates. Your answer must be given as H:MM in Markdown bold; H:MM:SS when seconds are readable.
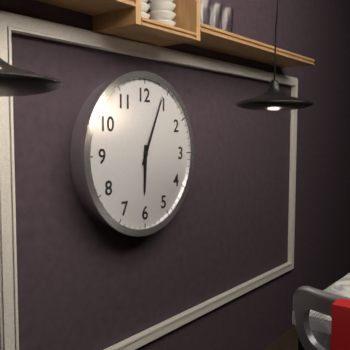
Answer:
**6:04**
